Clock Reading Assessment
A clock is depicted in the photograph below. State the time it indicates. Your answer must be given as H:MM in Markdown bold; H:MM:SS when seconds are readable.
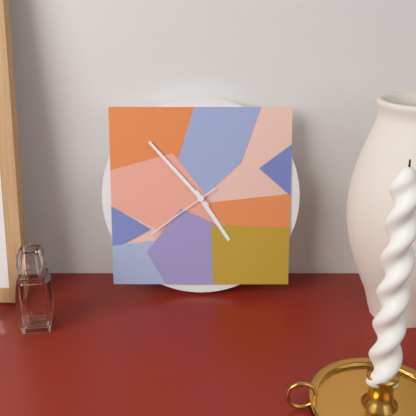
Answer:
**4:53:39**
